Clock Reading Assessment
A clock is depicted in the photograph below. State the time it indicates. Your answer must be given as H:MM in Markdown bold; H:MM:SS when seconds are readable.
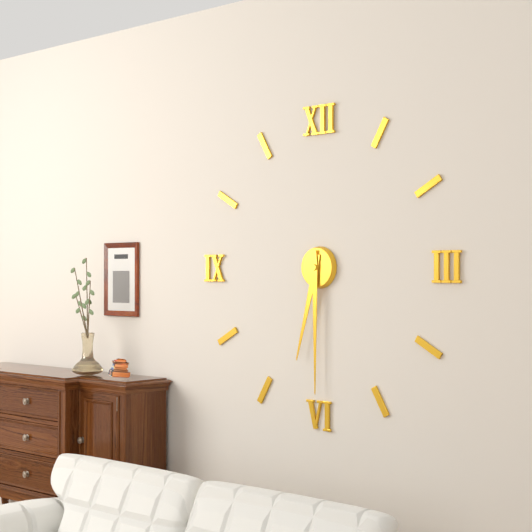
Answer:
**6:30**
